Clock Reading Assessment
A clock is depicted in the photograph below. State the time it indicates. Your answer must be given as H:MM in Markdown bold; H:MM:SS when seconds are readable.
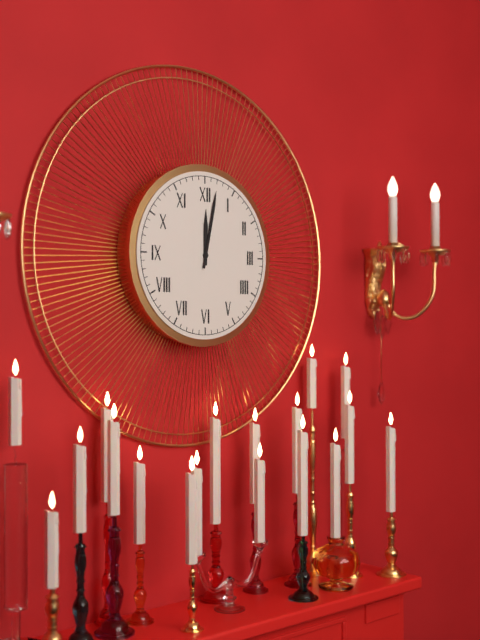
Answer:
**12:02**
